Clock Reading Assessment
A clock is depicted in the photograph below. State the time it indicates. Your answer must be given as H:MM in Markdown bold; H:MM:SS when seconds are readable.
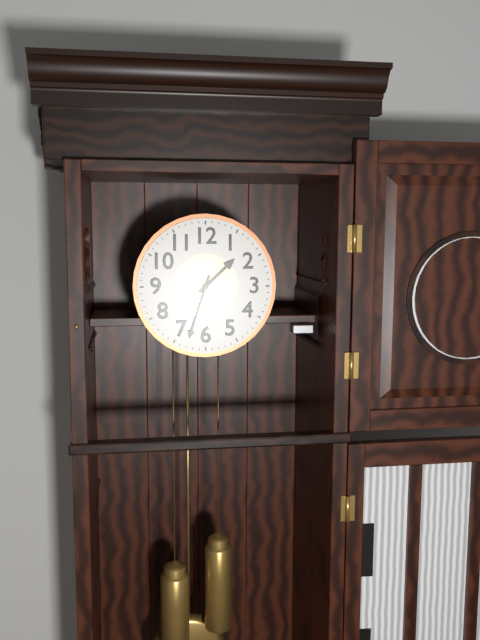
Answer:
**1:33**
